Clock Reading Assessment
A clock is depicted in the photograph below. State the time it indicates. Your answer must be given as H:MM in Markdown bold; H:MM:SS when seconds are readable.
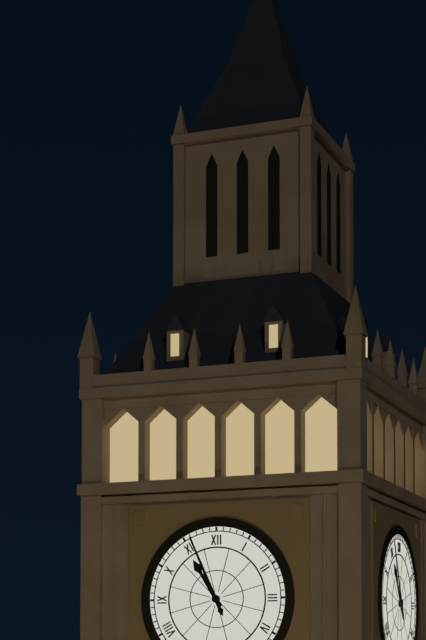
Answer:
**10:56**
